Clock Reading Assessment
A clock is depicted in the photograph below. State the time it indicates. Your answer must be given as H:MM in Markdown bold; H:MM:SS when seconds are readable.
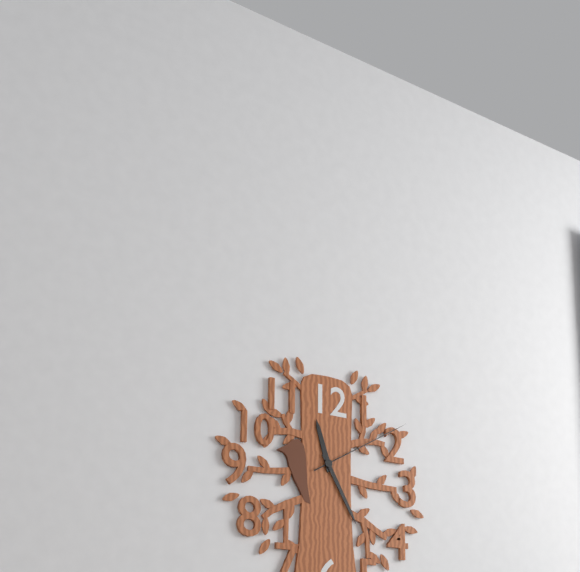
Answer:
**11:25:10**
